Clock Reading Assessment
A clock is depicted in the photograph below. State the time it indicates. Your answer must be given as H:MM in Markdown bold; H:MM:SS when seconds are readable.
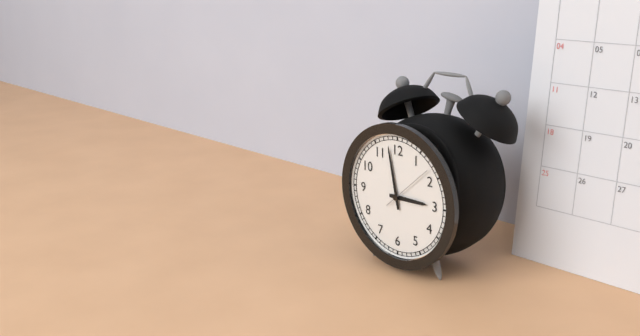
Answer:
**2:58:08**
